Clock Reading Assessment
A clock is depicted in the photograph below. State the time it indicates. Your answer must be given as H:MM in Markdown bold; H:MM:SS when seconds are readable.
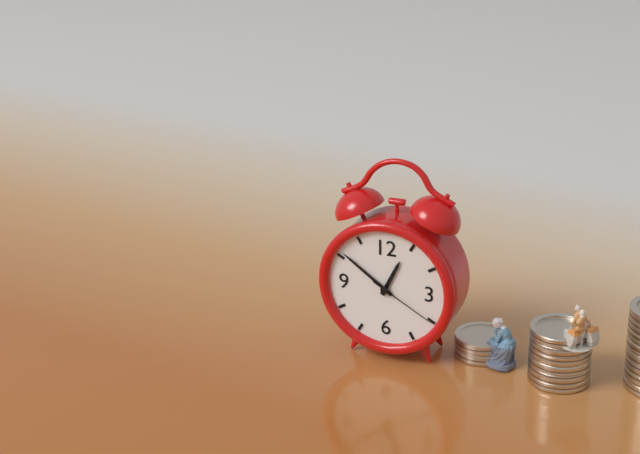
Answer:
**12:51:20**
